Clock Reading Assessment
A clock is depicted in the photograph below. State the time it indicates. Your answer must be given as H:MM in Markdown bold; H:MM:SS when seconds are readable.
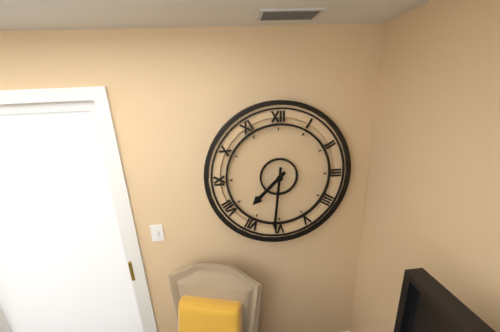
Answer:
**7:31**
